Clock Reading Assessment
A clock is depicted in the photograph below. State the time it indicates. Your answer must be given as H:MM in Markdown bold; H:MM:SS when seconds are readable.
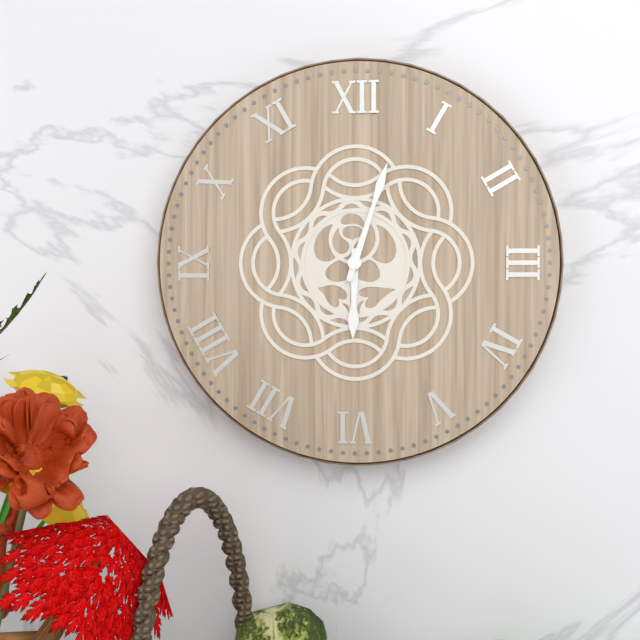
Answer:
**6:03**
